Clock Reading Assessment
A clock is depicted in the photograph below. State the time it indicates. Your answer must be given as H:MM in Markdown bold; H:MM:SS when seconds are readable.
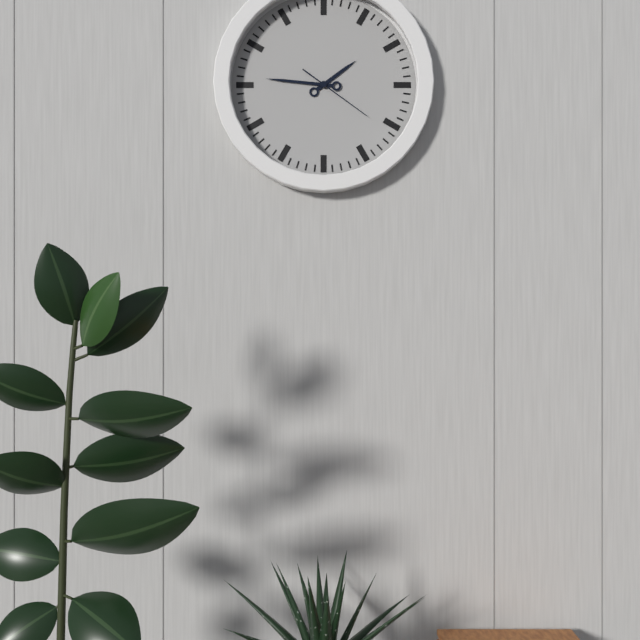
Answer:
**1:46:21**
